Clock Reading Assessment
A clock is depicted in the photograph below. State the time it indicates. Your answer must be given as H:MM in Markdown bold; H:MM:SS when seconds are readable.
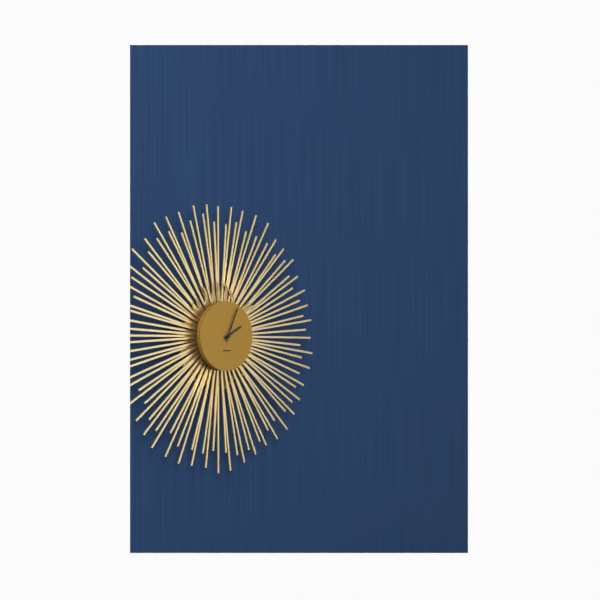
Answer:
**2:04**
